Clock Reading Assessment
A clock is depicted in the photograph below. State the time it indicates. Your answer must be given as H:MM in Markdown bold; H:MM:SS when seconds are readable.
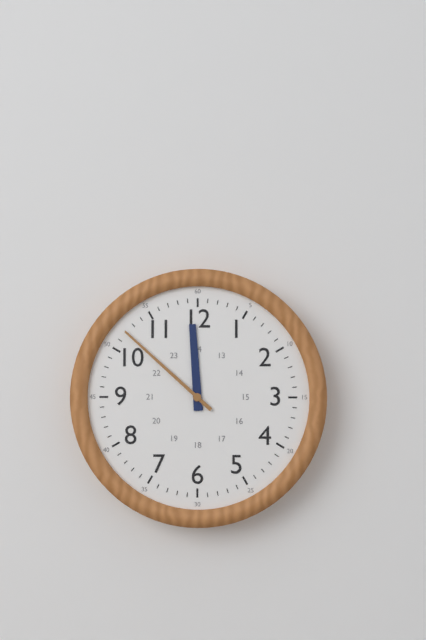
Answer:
**11:52**
